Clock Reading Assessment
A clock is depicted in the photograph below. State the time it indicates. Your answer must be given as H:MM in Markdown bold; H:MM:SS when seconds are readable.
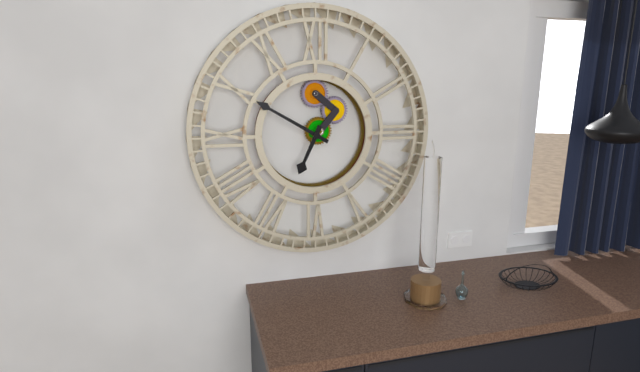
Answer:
**6:50**
